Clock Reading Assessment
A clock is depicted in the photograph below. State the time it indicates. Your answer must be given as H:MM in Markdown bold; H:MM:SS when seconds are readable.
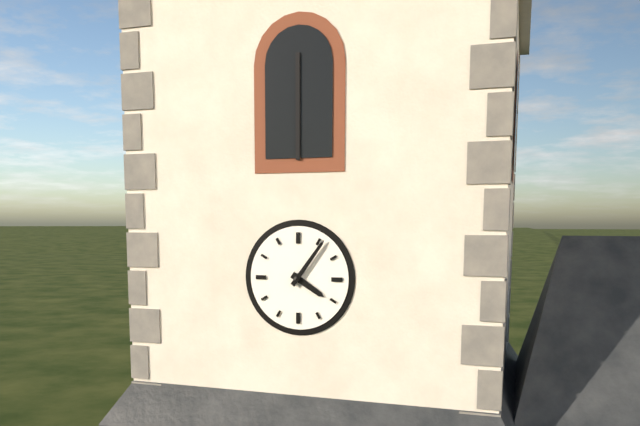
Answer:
**4:06**
